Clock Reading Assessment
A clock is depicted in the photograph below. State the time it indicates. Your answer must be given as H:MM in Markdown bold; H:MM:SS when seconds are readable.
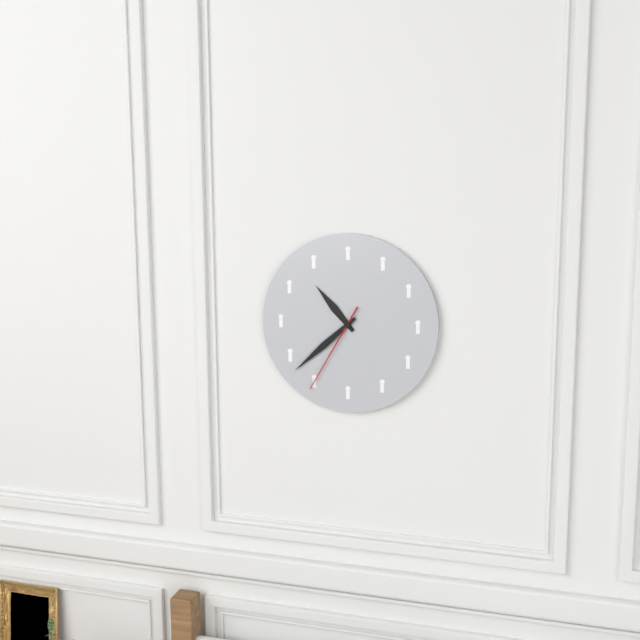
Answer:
**10:38:35**
